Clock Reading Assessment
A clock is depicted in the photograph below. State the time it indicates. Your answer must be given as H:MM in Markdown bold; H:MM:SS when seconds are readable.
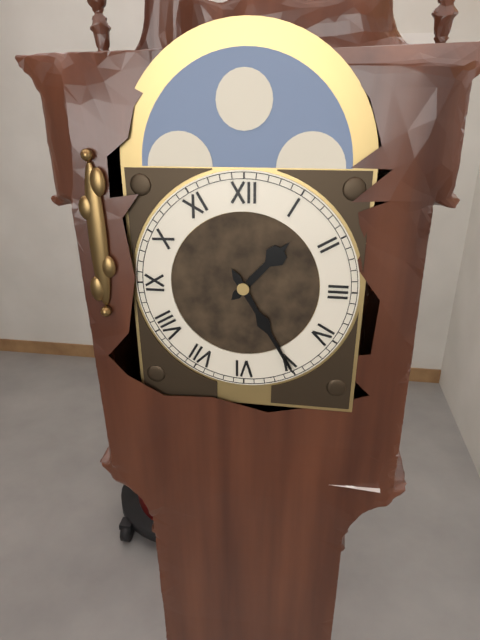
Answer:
**1:25**
